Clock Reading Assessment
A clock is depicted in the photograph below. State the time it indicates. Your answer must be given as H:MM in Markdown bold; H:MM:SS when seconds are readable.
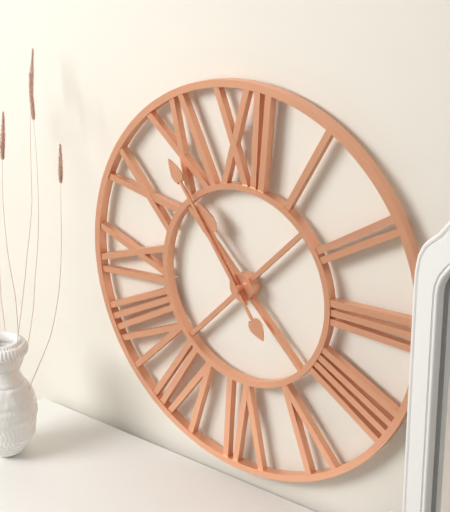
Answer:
**10:54**
